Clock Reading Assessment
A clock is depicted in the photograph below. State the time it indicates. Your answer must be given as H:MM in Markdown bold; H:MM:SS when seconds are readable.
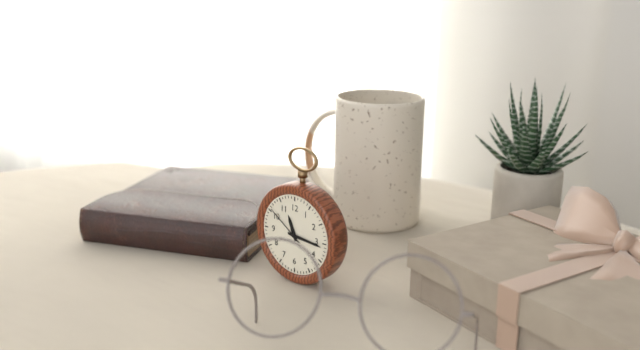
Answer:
**11:16**
